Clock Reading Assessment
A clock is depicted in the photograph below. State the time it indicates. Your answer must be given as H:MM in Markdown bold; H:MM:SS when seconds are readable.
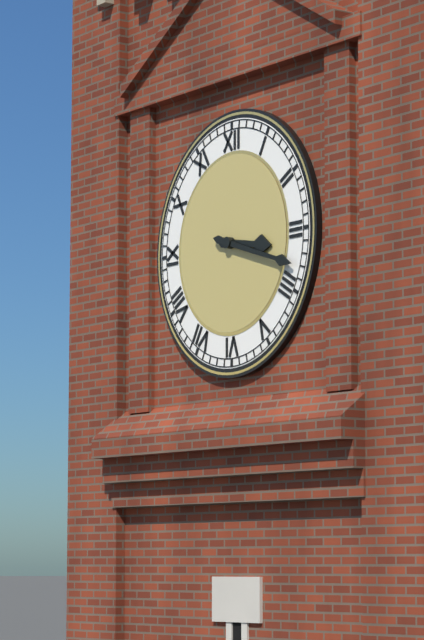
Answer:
**3:18**
